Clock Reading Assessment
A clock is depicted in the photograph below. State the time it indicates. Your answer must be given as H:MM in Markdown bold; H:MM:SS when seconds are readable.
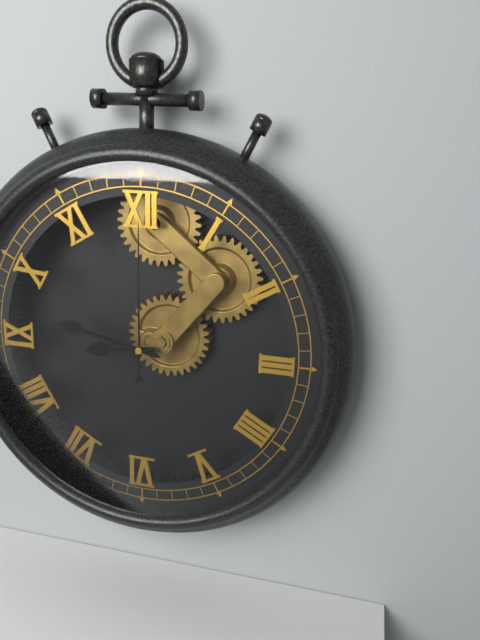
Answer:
**8:47:00**
